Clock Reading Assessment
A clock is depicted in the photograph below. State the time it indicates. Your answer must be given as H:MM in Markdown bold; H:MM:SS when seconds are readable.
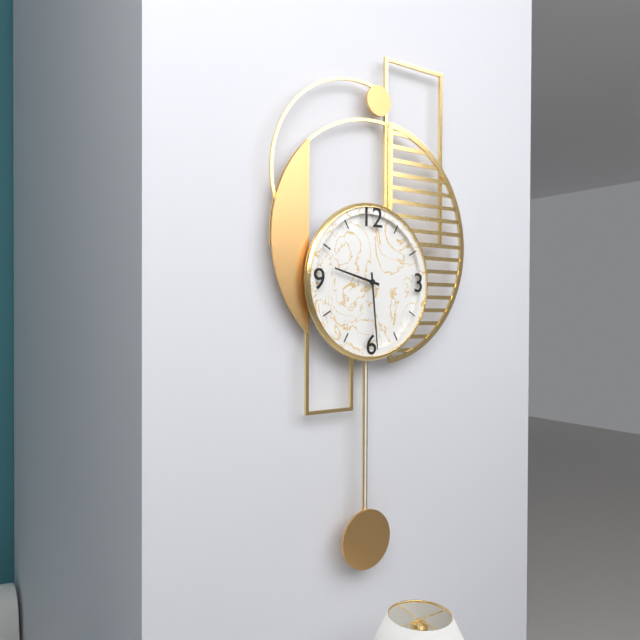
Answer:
**9:29**
